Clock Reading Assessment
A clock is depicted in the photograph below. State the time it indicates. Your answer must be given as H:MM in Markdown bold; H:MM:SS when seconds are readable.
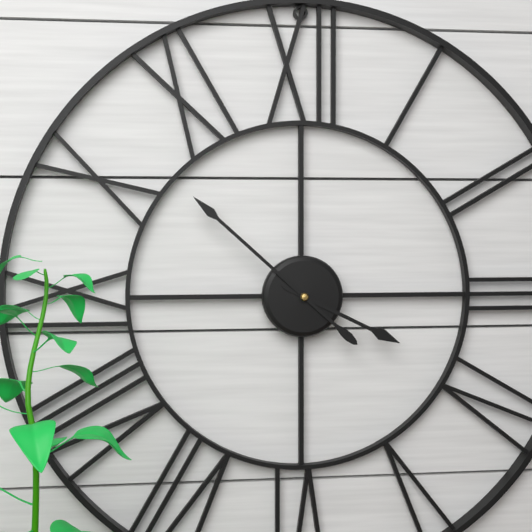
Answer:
**3:52**
